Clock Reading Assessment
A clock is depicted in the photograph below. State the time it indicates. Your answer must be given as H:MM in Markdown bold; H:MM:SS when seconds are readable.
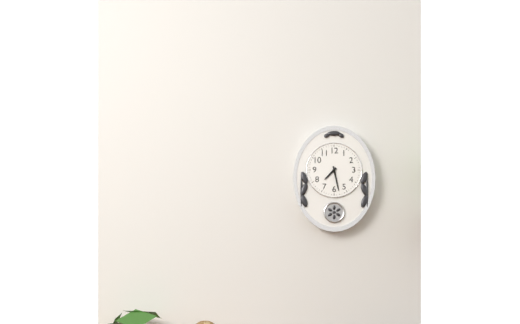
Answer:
**7:28**
